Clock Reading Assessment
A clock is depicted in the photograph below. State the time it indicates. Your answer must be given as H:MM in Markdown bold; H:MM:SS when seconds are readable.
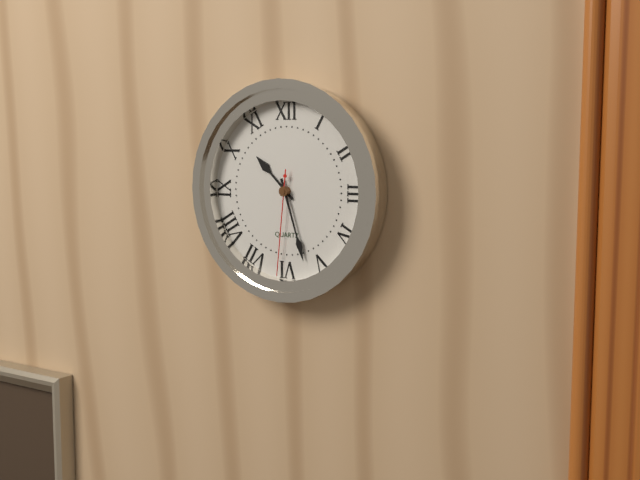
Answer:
**10:27:31**
